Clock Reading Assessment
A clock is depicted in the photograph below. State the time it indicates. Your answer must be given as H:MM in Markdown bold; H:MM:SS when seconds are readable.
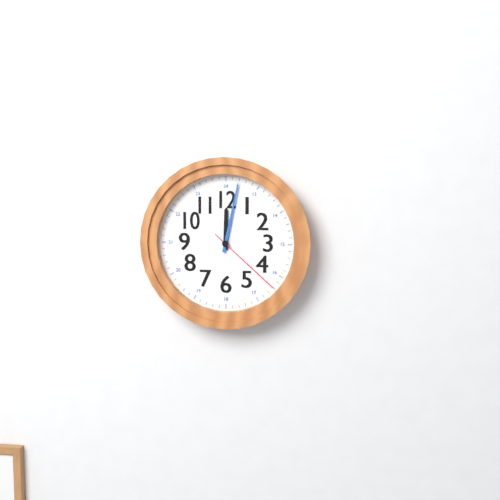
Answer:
**12:02:22**
